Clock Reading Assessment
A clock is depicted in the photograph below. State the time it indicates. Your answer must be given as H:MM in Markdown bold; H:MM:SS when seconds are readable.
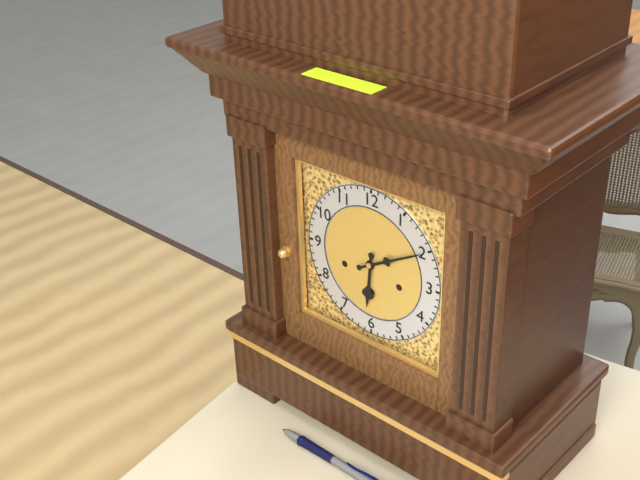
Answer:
**6:10**
